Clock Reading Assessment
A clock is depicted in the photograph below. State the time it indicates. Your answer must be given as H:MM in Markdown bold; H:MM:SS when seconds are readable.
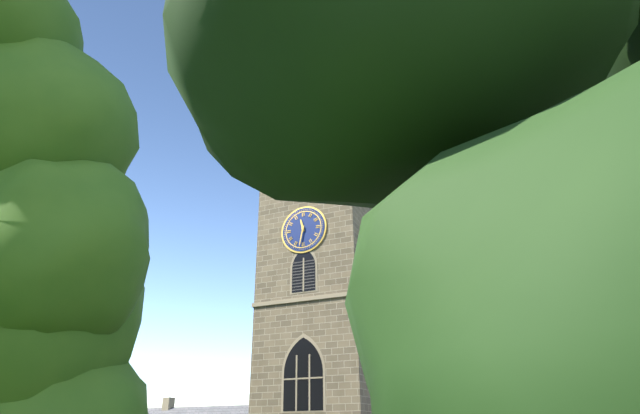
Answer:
**11:32**
